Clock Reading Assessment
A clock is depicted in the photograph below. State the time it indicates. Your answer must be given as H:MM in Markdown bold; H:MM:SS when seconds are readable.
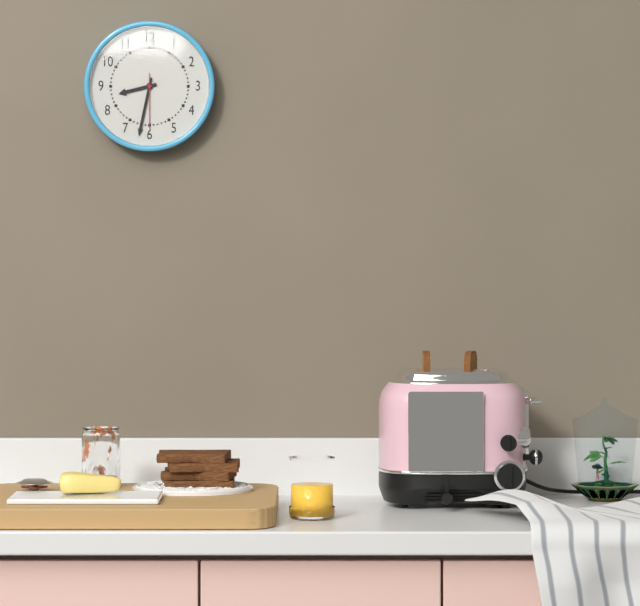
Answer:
**8:32:30**
